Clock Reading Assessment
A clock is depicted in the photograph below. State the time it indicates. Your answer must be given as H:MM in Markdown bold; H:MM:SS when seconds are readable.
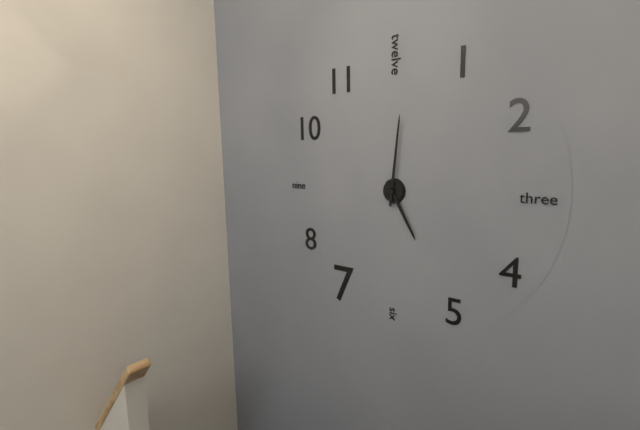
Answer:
**5:01**
